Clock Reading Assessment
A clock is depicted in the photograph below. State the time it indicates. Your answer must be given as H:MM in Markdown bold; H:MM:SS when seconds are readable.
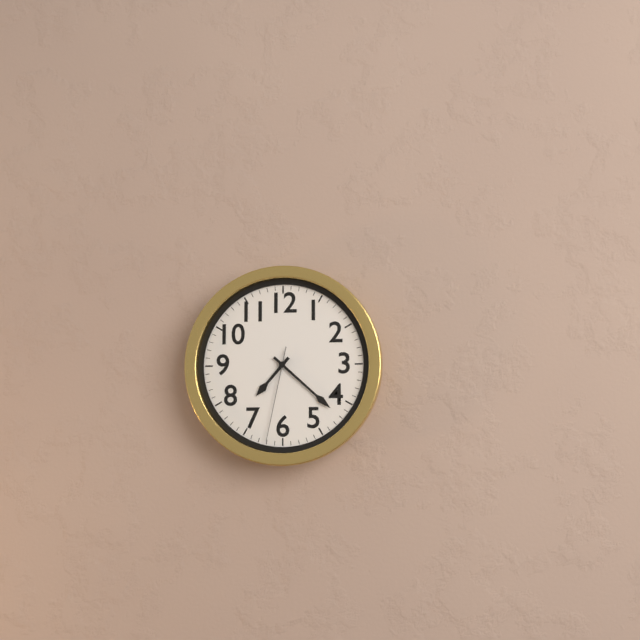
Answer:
**7:22:32**
